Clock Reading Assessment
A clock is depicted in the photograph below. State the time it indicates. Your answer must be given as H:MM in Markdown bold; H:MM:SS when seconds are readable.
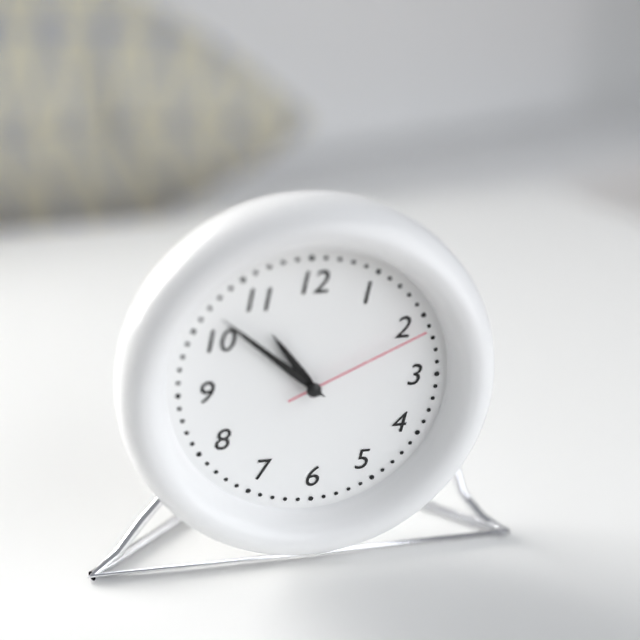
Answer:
**10:52:11**
